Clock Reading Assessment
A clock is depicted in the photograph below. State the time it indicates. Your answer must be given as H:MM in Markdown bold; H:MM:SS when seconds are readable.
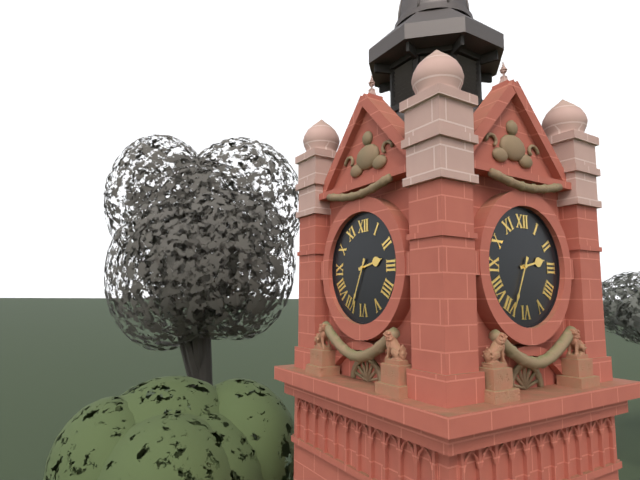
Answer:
**2:34**
